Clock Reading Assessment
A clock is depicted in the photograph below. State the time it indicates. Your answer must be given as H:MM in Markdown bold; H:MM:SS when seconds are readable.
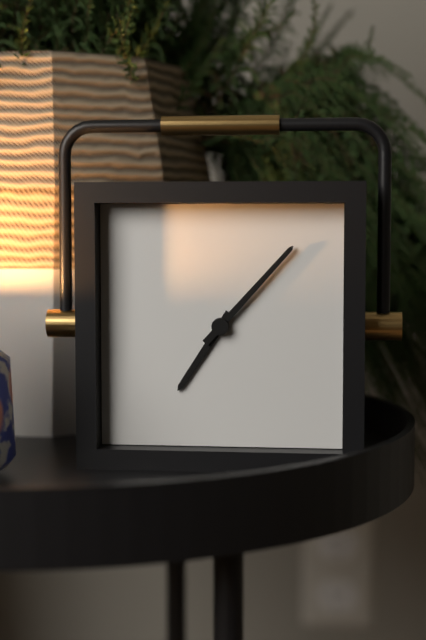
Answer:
**7:07**
